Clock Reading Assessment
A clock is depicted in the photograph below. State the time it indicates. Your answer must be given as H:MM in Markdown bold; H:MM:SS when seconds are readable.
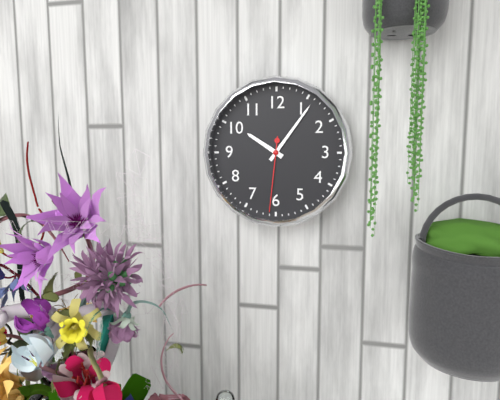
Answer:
**10:06:31**
